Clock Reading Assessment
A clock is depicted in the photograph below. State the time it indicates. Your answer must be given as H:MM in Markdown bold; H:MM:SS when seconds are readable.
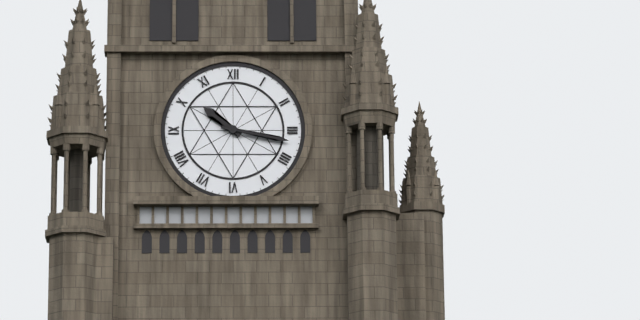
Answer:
**10:17**
